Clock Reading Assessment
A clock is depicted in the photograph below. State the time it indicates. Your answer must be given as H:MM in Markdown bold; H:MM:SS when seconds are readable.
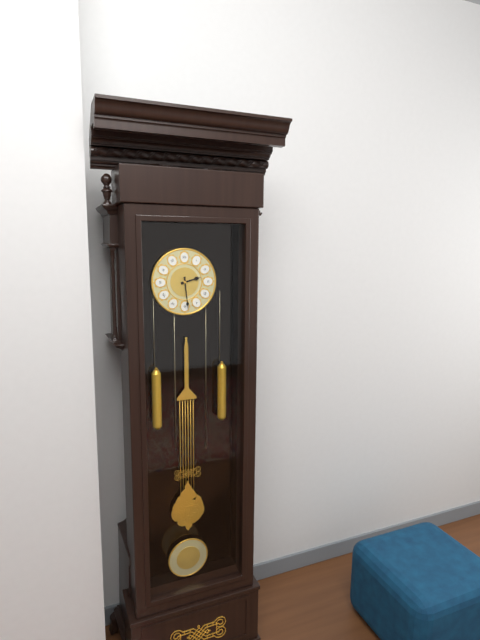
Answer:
**2:29**
